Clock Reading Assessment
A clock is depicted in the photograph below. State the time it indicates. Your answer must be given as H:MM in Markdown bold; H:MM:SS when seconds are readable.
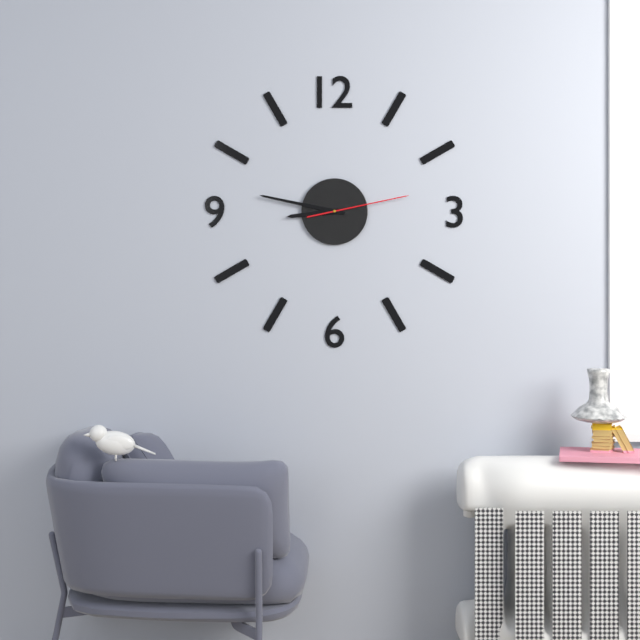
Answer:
**8:47:13**
